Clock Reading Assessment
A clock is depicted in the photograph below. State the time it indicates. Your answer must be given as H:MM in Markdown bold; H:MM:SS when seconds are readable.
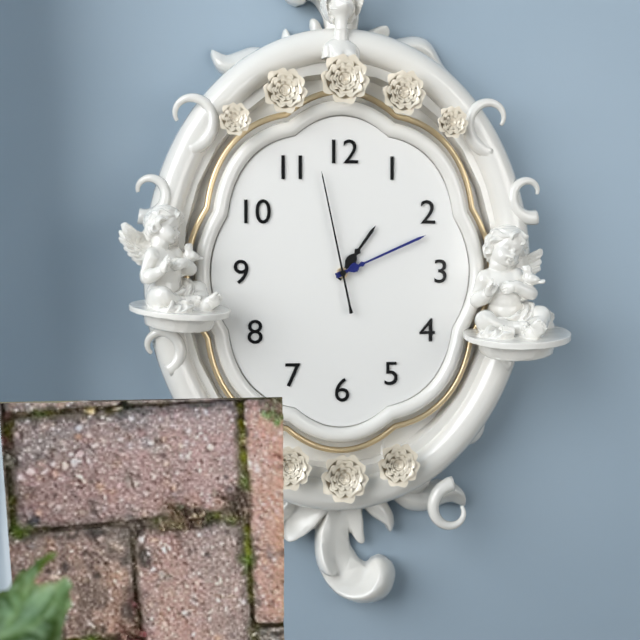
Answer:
**1:11:58**
